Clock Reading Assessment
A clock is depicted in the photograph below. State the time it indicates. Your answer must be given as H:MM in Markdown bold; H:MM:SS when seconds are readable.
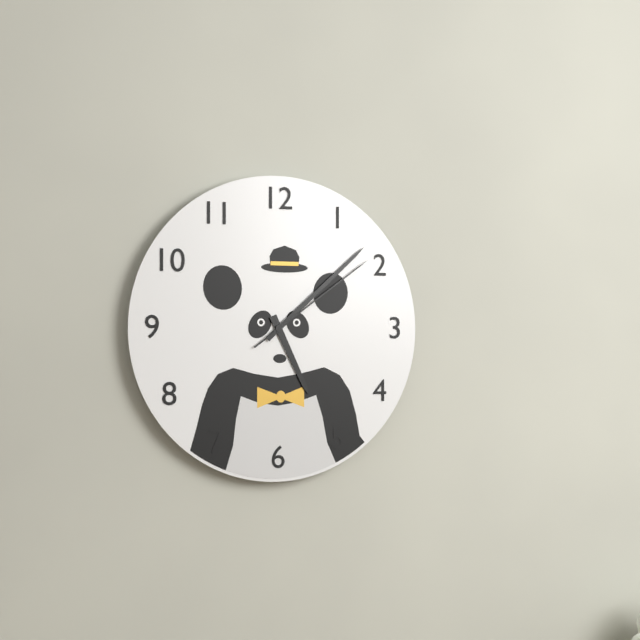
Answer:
**5:08:09**
